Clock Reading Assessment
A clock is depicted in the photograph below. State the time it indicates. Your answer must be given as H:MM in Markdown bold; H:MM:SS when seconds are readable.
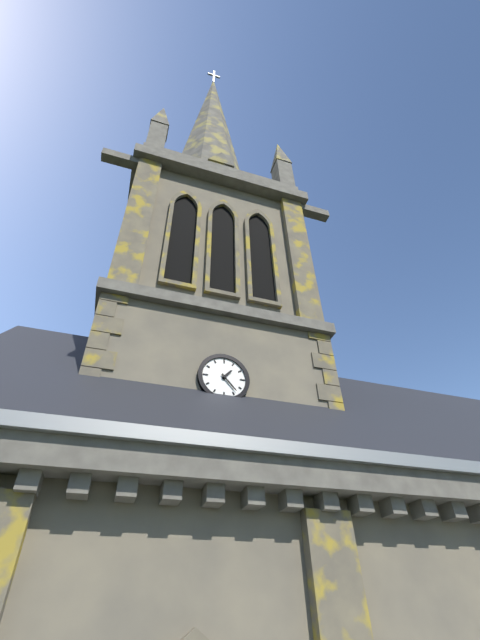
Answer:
**1:23**
